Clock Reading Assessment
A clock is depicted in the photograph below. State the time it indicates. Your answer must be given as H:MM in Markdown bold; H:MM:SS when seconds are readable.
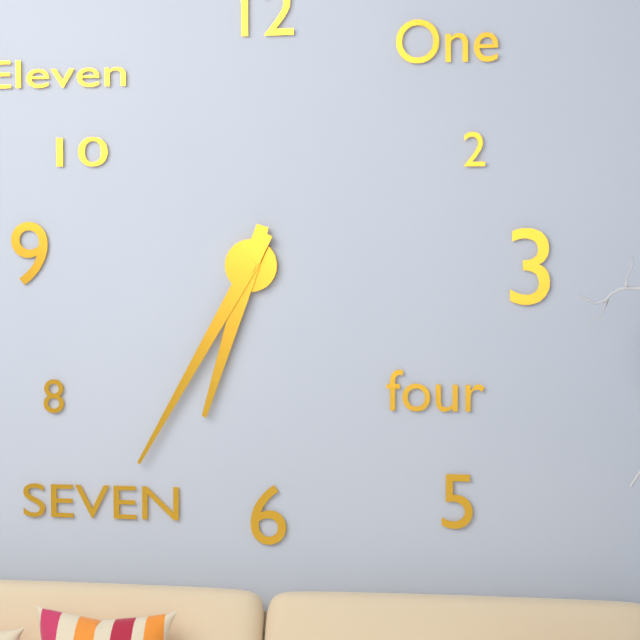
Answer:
**6:35**
